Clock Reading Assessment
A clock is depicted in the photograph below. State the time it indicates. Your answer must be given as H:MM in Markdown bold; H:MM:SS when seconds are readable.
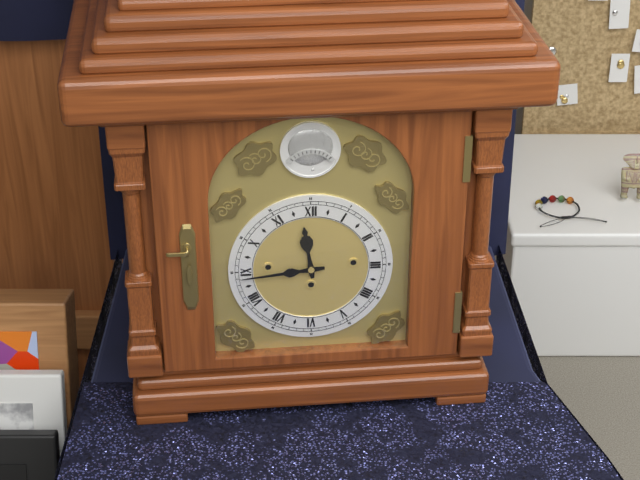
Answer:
**11:44**
